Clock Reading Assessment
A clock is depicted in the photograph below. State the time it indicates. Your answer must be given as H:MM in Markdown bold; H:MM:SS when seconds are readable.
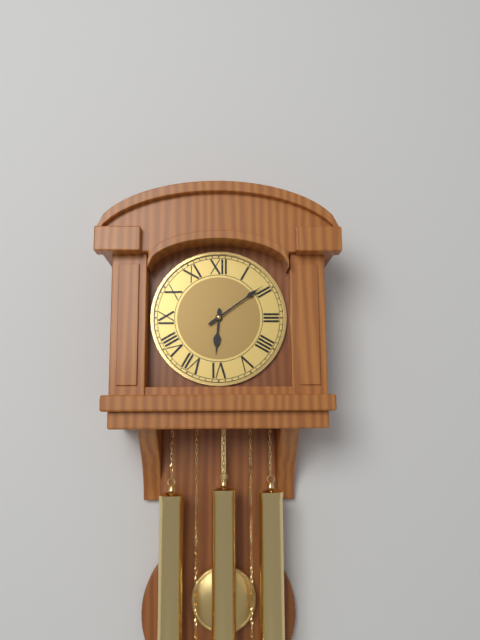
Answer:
**6:09**
